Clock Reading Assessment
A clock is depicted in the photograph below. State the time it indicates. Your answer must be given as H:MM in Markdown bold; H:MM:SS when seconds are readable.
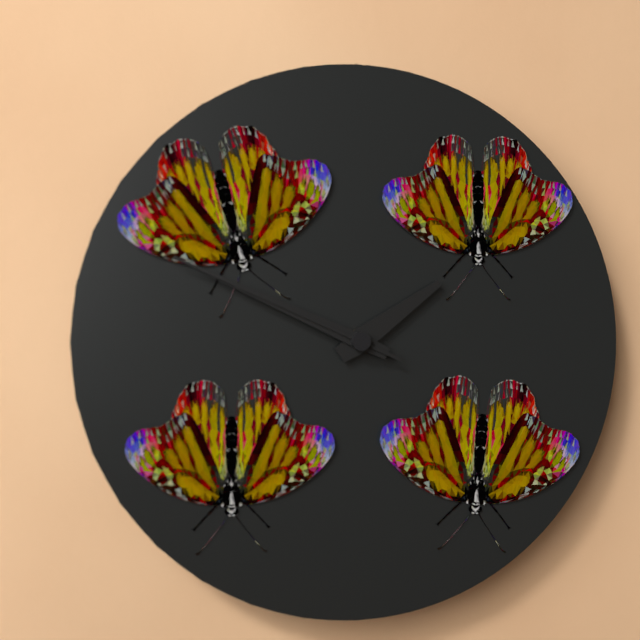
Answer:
**1:49:49**
